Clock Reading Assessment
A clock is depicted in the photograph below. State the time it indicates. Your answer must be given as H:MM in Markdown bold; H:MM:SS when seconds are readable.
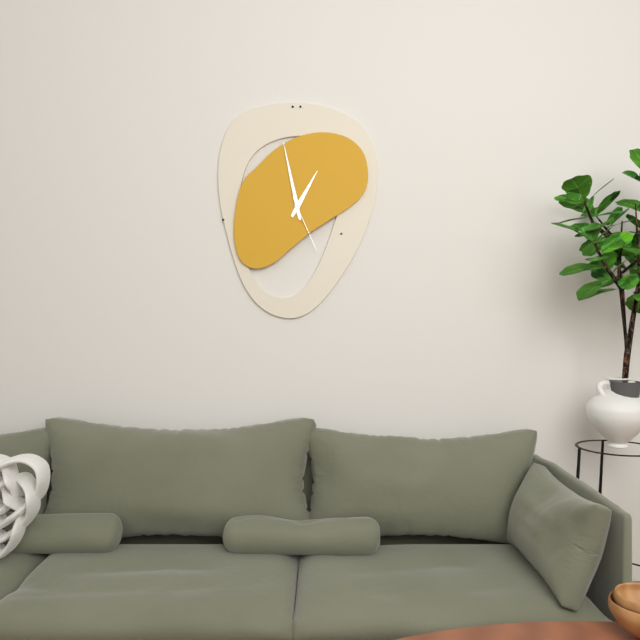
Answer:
**12:58:26**
